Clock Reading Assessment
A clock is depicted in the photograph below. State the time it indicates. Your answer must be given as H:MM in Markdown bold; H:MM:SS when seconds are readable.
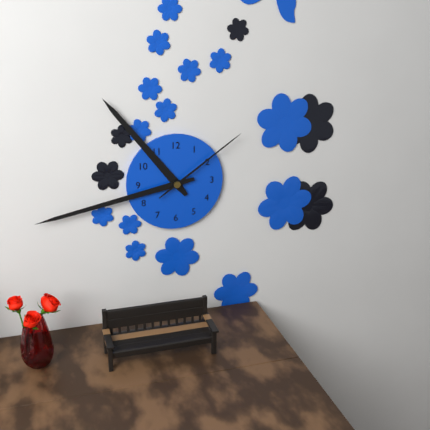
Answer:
**10:43:09**
